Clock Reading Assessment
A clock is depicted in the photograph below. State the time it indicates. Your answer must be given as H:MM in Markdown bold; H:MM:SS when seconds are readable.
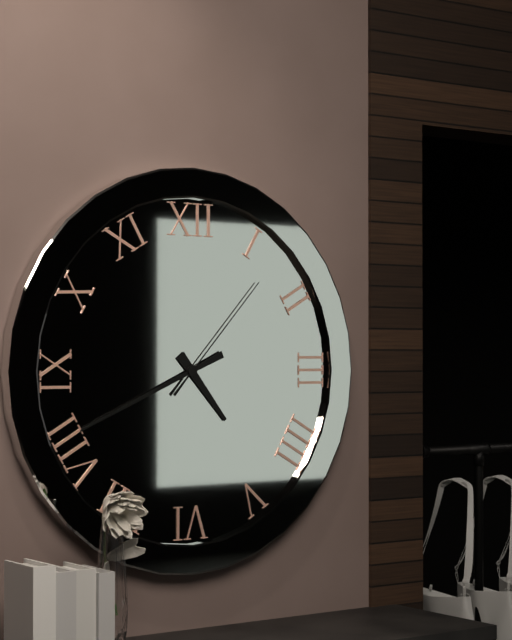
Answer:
**4:41:07**
